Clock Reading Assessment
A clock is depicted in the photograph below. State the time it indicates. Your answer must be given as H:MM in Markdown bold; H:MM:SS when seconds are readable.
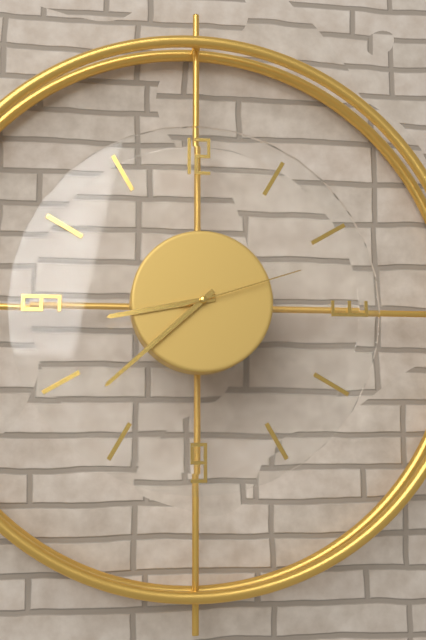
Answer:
**8:38:12**
